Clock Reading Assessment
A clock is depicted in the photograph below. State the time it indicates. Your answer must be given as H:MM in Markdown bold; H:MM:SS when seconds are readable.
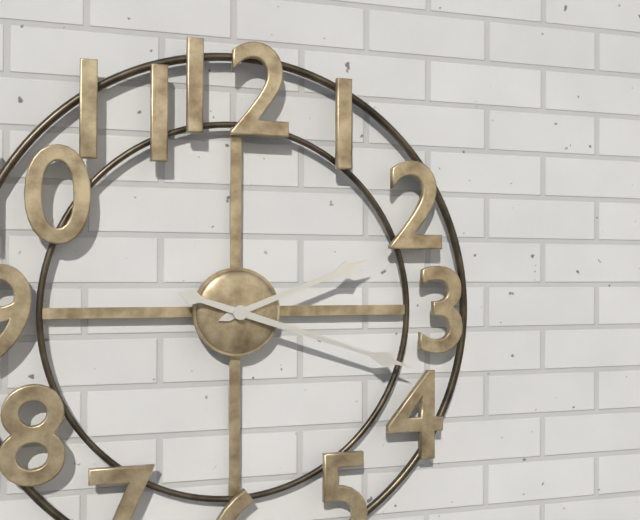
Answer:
**2:18**
